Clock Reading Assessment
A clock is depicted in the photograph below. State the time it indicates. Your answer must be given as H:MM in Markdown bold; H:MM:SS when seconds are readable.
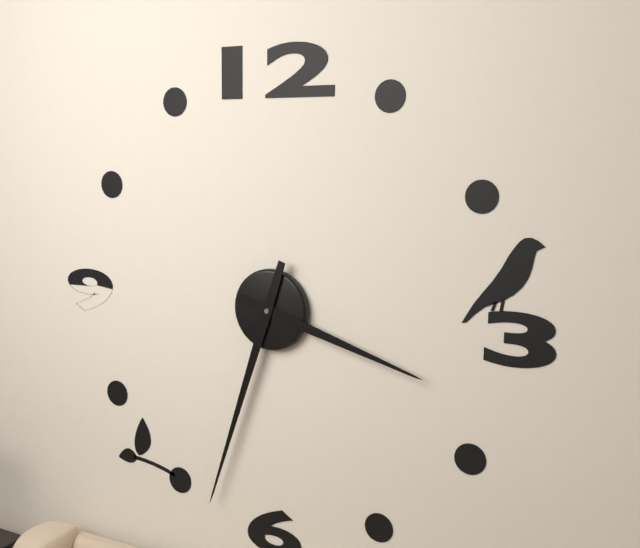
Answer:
**3:33**
